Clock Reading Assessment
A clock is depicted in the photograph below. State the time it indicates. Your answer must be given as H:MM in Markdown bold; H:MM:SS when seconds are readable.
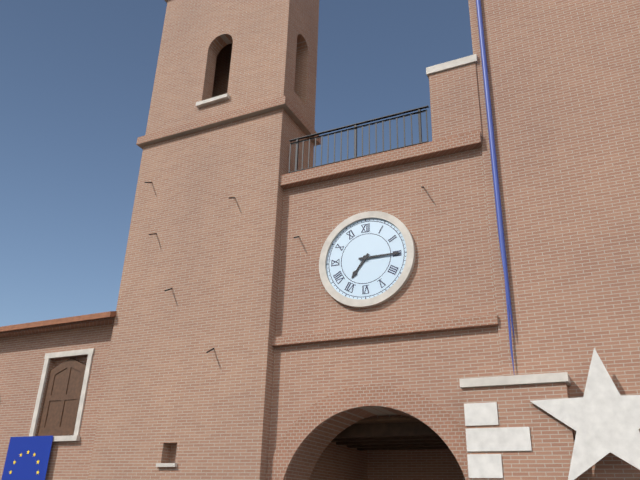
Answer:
**7:15**
